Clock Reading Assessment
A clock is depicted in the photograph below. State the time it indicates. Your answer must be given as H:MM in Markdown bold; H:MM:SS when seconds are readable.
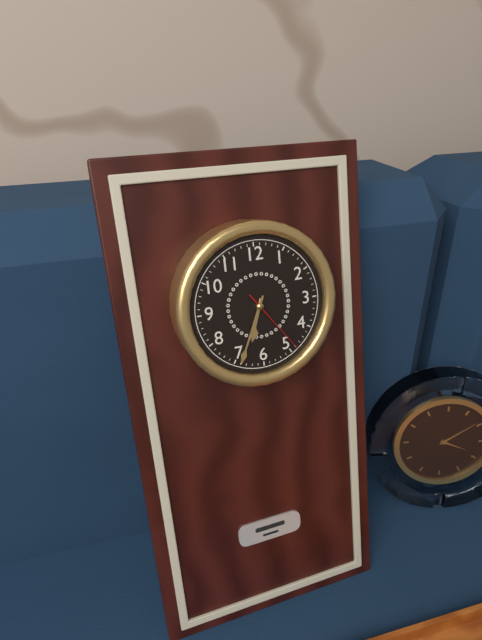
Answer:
**6:34:24**
